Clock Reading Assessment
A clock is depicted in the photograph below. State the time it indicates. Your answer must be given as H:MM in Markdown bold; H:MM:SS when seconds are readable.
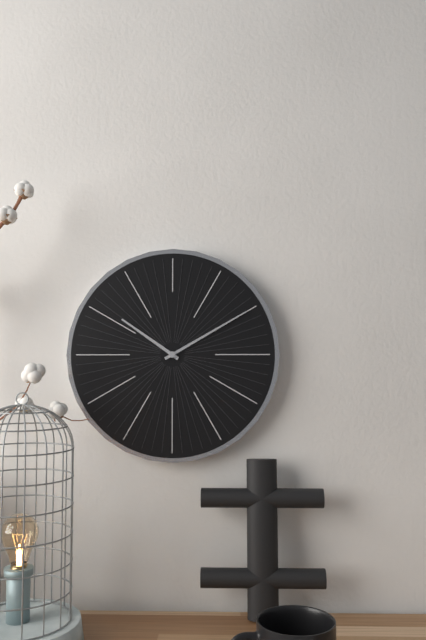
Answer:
**10:10**
